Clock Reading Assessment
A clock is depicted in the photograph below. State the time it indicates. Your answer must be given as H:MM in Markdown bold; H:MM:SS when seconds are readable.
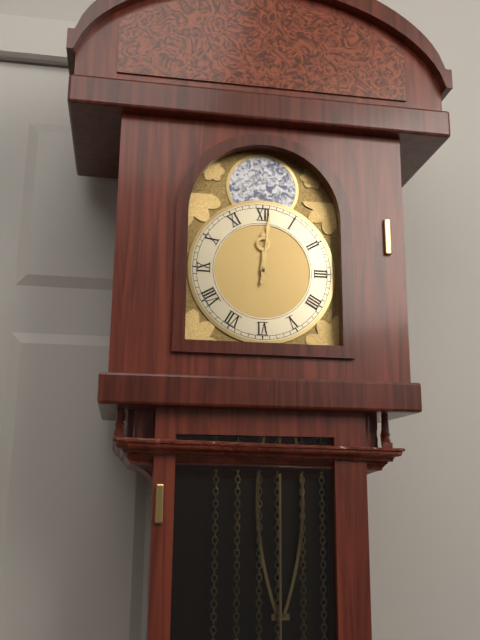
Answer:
**12:01**
